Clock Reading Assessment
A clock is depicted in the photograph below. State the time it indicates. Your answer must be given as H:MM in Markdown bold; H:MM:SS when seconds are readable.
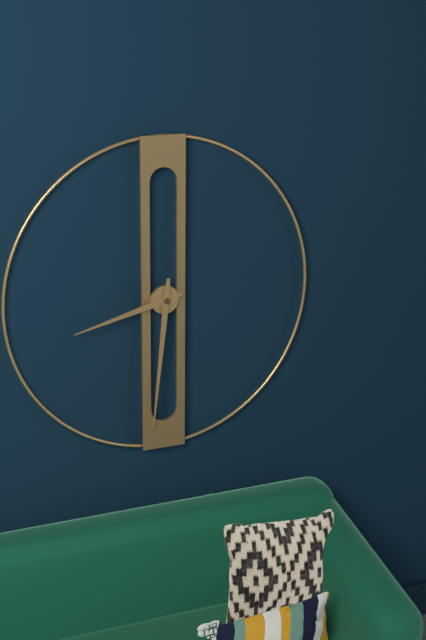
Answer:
**8:31**
